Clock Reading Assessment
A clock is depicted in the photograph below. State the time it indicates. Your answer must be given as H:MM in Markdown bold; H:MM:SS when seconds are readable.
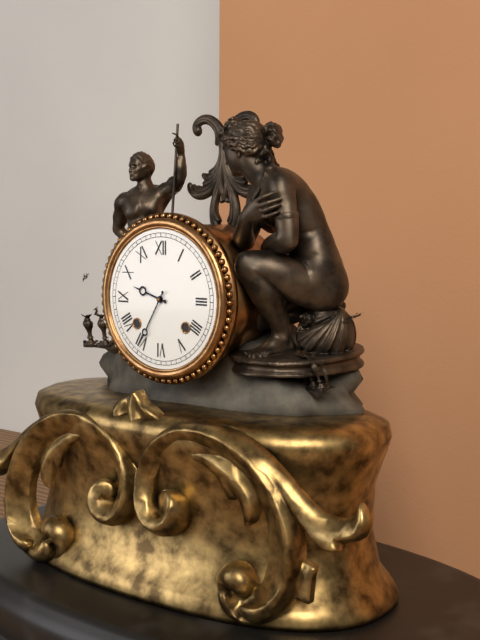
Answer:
**9:35**
